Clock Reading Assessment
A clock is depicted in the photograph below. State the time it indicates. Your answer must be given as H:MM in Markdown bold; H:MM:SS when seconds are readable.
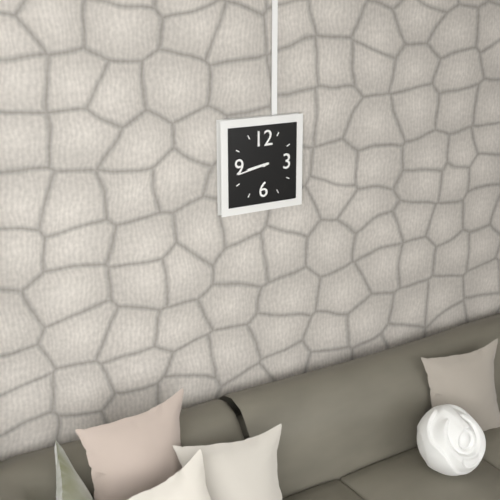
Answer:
**8:43**
